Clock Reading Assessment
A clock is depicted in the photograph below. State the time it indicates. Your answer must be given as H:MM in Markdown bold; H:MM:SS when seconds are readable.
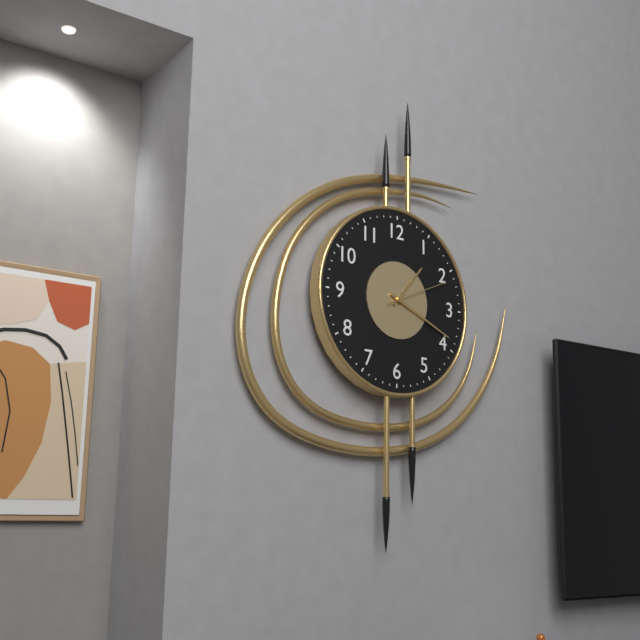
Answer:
**1:19:11**
